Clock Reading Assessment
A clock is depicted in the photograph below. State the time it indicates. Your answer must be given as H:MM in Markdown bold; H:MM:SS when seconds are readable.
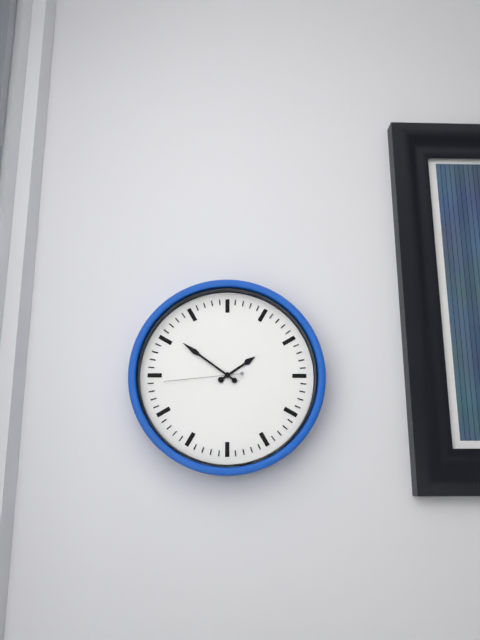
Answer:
**1:51:44**
